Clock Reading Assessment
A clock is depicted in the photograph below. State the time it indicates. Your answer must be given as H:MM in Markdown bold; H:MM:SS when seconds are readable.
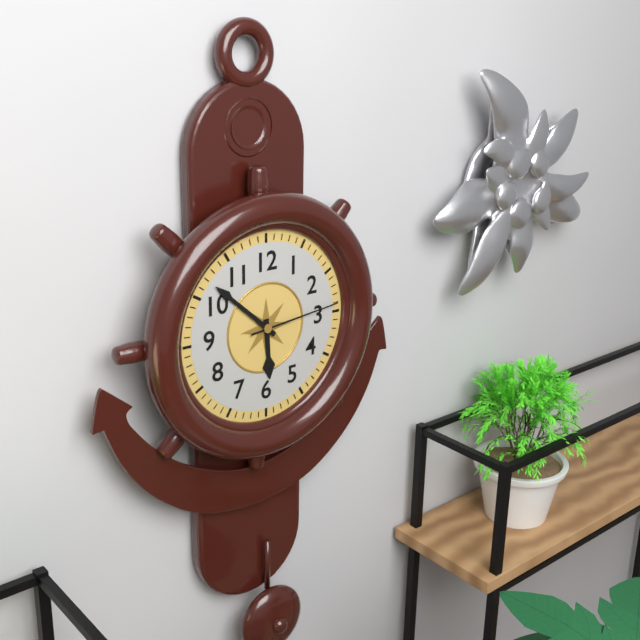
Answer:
**5:52:14**
